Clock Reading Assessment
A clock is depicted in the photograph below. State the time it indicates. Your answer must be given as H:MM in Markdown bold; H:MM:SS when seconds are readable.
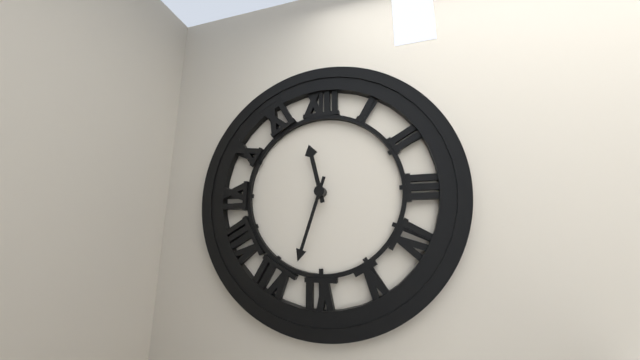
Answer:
**11:33**
